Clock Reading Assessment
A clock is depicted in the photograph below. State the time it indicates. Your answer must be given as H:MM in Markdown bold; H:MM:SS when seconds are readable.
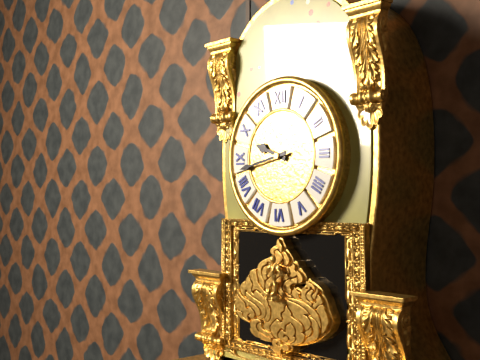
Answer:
**9:43**
